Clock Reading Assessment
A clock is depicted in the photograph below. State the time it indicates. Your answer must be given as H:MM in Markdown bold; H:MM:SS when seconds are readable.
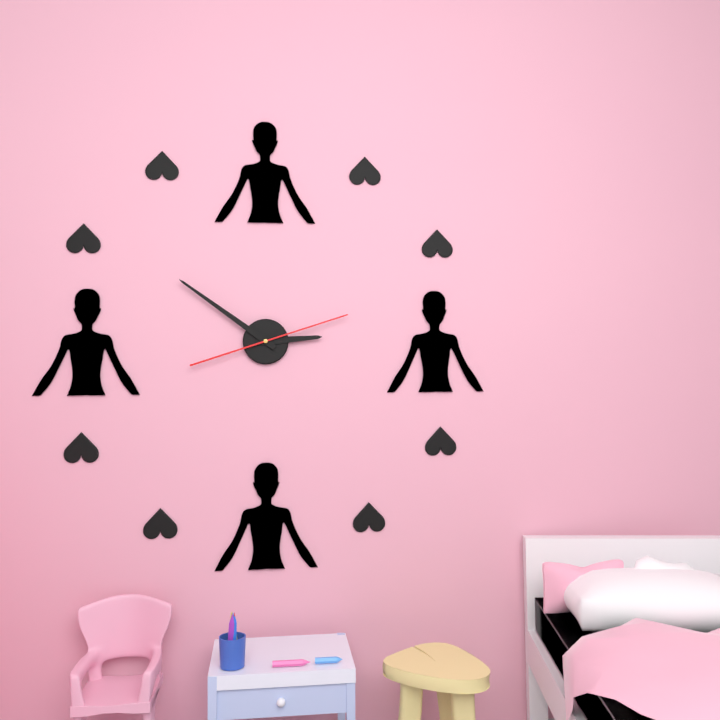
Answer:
**2:51:12**
